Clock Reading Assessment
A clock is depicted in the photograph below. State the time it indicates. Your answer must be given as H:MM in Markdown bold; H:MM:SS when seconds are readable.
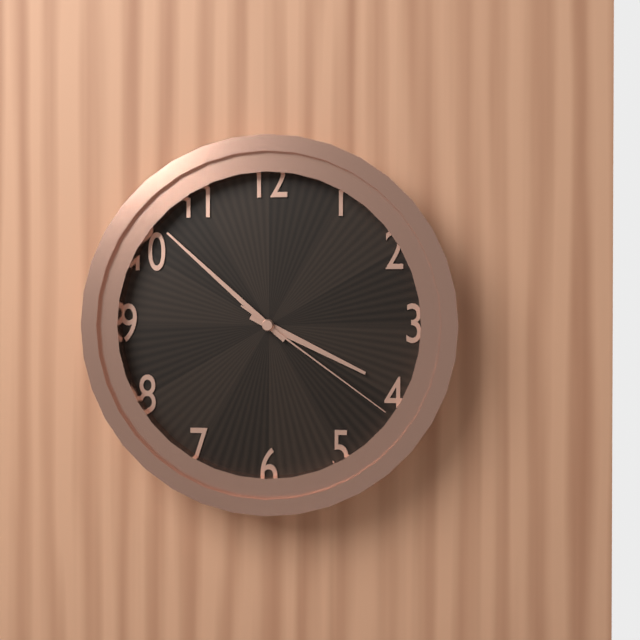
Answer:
**3:52:21**
